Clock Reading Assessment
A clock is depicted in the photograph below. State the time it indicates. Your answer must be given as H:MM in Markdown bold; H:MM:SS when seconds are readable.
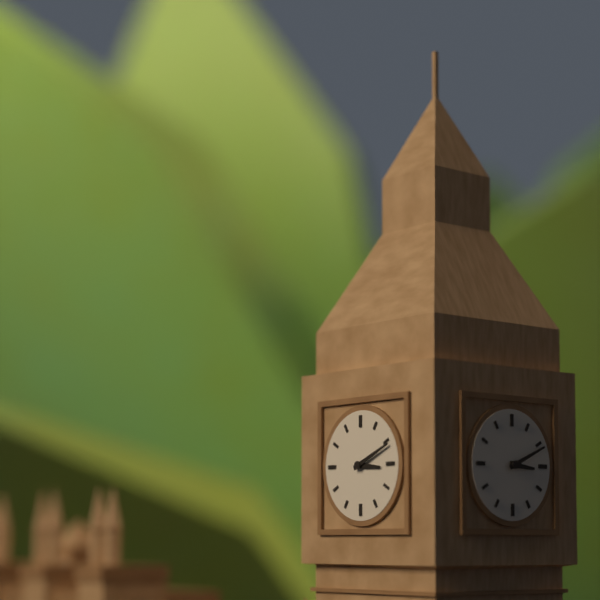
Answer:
**3:11**
